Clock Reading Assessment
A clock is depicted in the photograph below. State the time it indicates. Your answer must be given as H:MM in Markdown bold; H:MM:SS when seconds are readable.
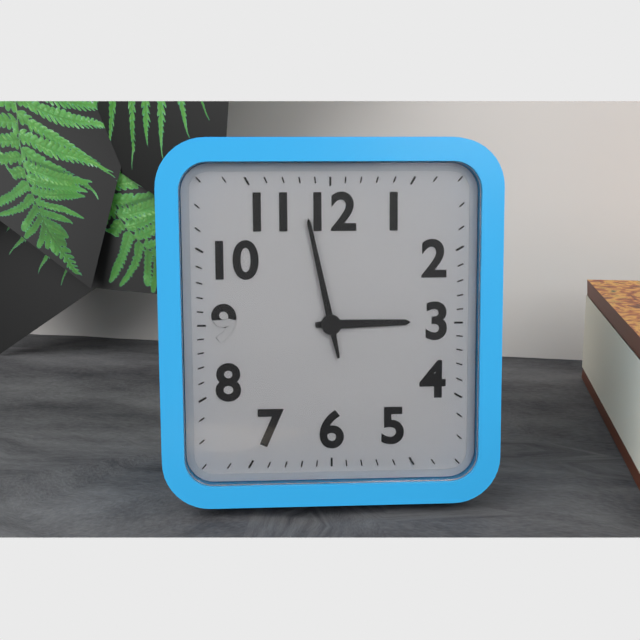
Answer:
**2:58**
